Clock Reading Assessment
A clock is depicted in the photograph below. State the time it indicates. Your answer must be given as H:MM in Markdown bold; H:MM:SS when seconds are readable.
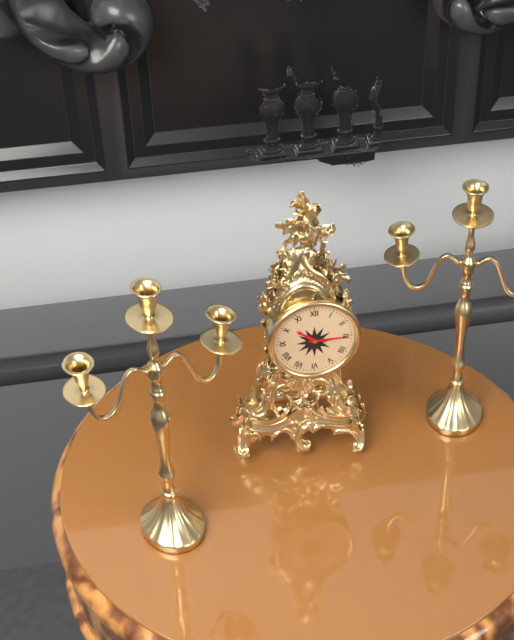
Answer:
**10:15**
